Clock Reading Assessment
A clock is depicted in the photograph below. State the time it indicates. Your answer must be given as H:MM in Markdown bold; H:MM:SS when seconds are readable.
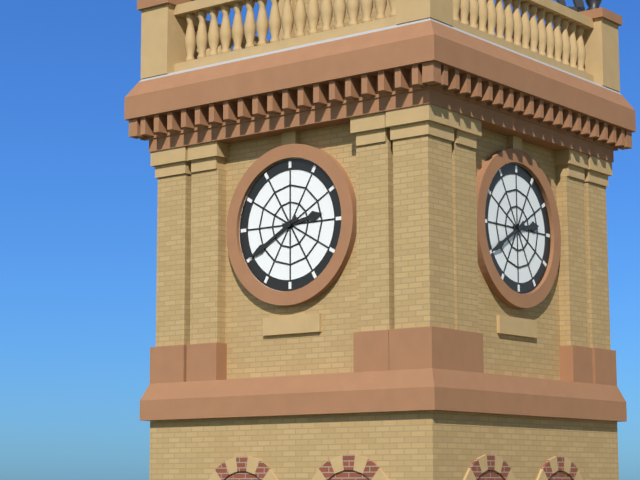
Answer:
**2:40**
